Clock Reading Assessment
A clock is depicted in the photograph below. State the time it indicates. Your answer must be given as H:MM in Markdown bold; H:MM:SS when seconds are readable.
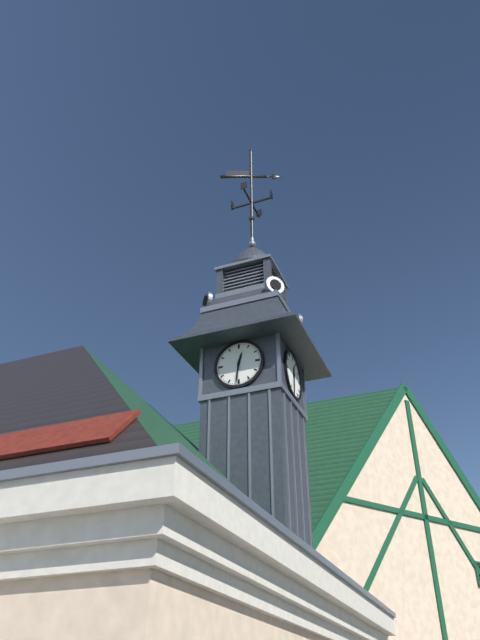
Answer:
**12:31**
